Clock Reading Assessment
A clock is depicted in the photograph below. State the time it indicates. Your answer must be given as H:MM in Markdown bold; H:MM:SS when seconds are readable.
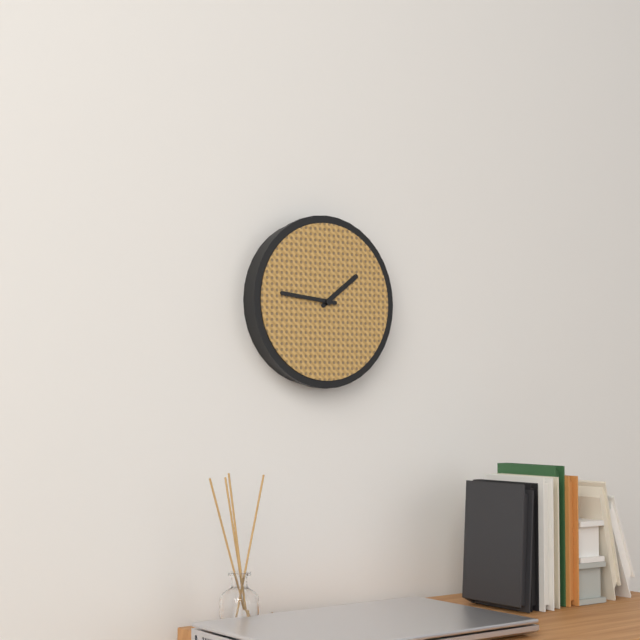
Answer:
**1:46**
